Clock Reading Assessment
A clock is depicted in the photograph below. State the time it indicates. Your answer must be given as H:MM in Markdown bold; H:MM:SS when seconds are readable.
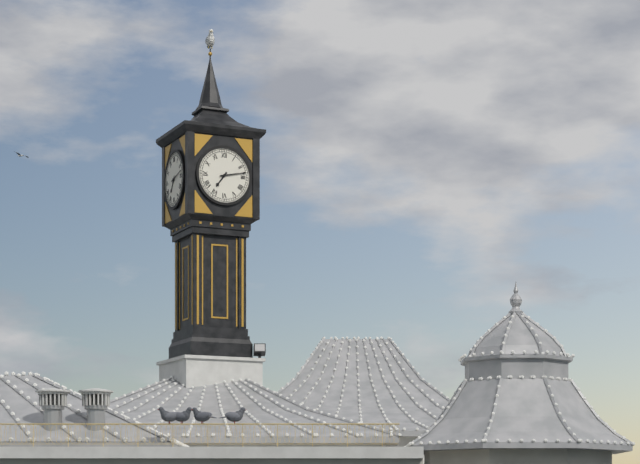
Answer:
**7:13**
